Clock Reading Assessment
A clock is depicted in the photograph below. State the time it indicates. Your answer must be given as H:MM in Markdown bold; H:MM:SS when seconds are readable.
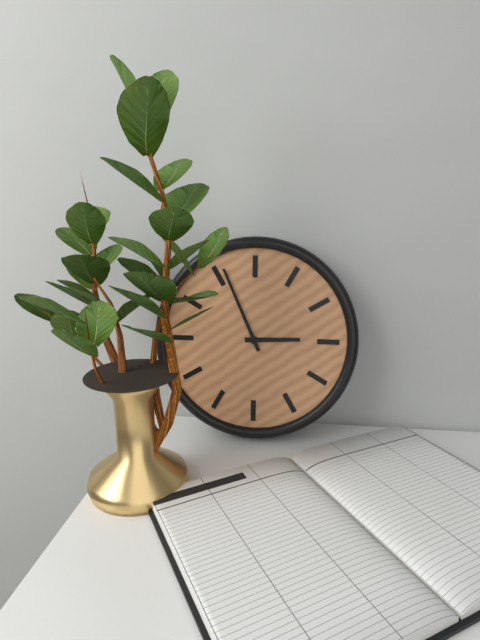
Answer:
**2:56**
